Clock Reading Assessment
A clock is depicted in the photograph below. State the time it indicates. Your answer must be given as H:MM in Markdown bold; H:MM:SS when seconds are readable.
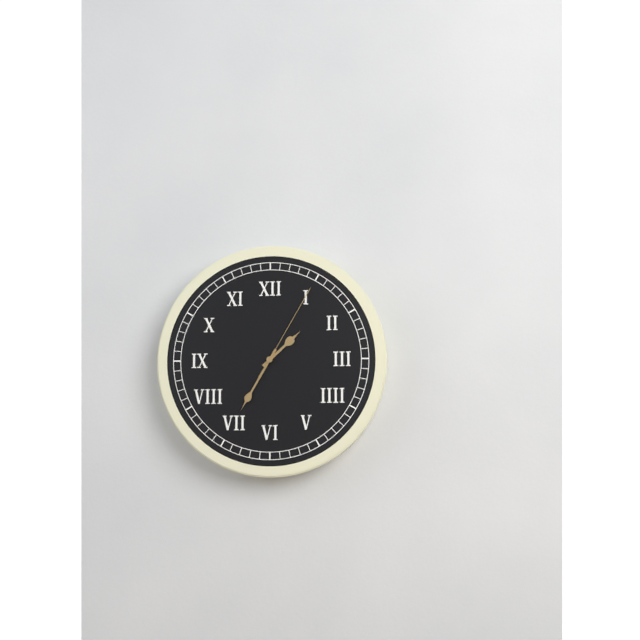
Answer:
**1:35:05**
